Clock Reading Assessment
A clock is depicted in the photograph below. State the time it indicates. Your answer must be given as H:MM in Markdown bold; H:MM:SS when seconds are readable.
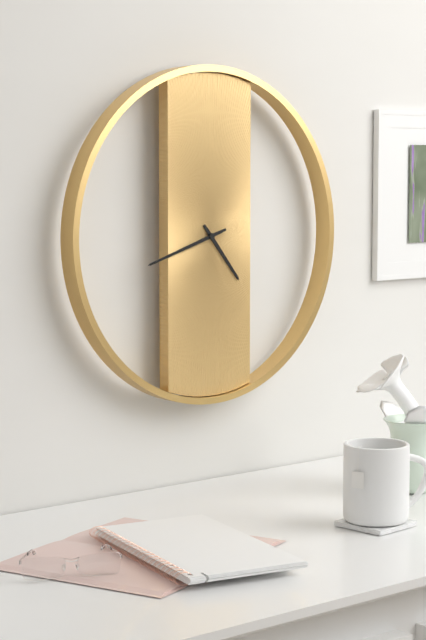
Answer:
**4:42**
